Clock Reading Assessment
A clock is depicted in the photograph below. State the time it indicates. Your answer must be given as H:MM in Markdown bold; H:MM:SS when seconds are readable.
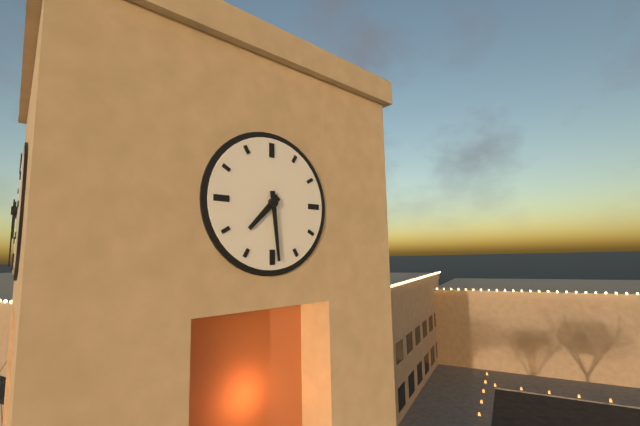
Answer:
**7:29**
